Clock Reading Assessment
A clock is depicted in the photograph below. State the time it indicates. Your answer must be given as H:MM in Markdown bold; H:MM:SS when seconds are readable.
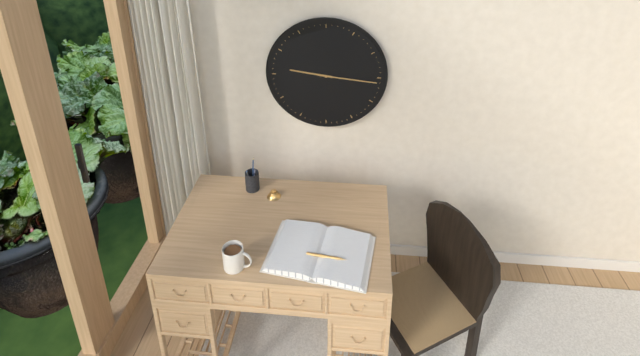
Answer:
**9:16**
